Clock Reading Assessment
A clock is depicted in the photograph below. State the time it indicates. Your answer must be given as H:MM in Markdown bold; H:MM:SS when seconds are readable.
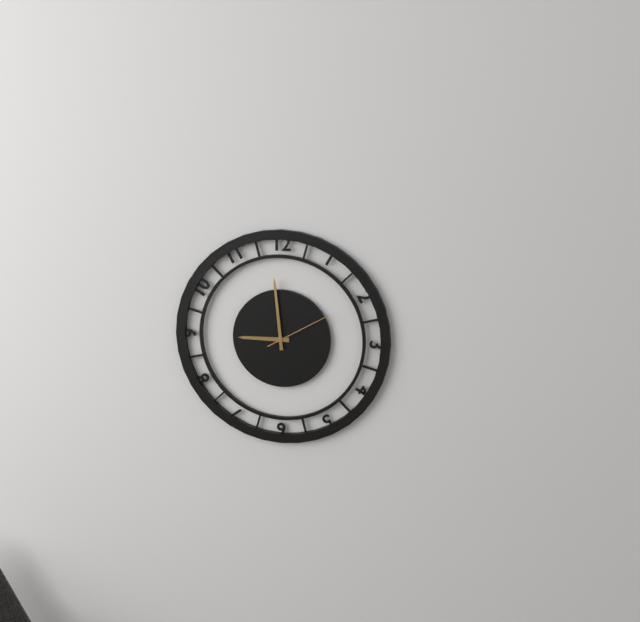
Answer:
**8:59:10**
